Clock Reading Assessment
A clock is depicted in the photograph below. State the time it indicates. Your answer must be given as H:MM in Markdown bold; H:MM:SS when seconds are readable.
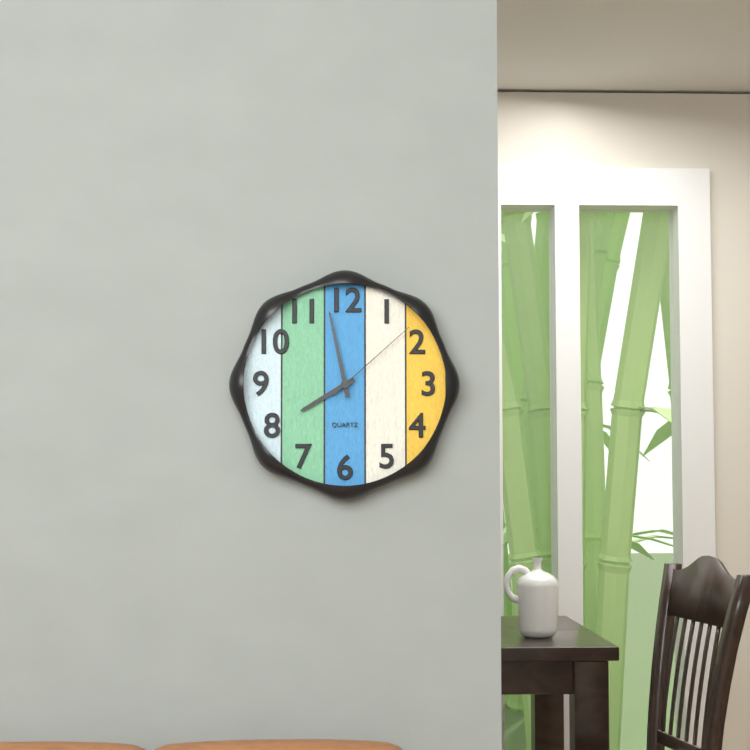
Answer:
**7:58:08**
